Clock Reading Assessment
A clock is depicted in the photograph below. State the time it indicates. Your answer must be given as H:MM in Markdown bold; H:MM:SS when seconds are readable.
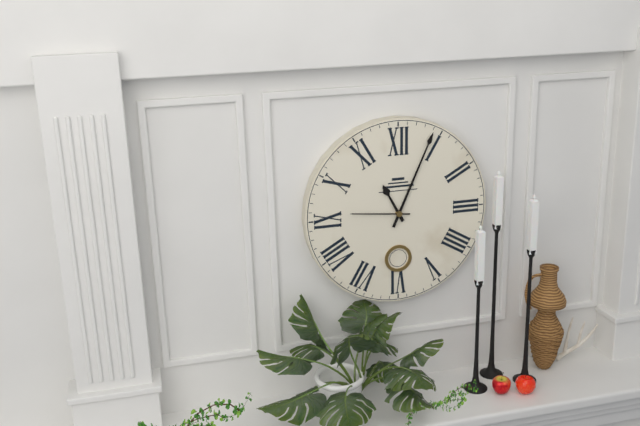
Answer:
**11:04:46**
